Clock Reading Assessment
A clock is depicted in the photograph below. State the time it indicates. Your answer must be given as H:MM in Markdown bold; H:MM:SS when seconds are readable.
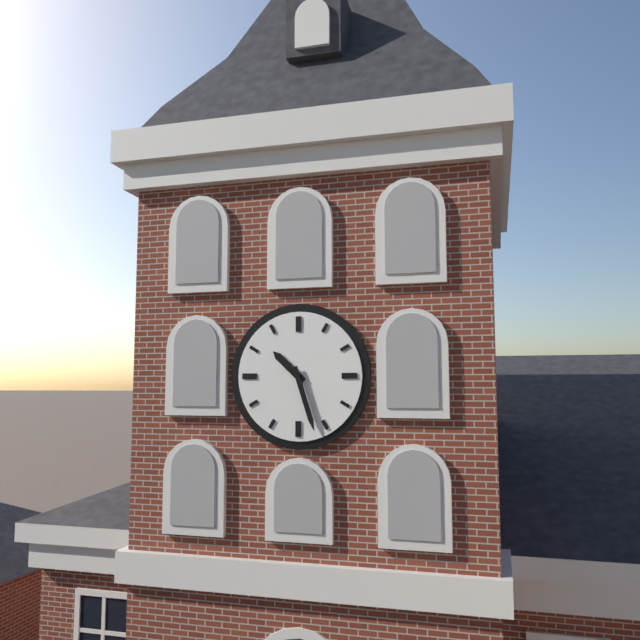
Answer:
**10:27**
